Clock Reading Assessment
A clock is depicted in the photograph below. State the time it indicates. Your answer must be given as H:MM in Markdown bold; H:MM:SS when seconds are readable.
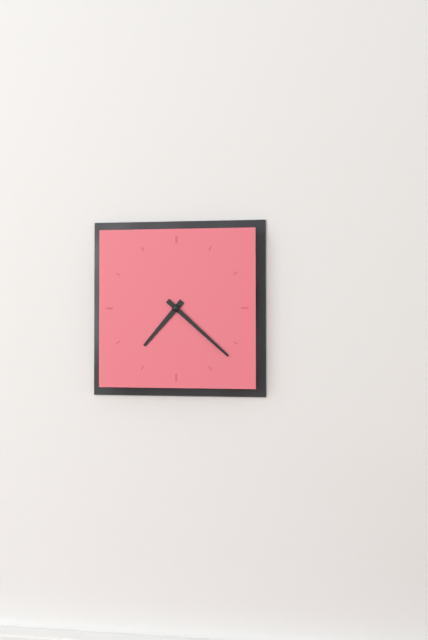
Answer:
**7:22**
